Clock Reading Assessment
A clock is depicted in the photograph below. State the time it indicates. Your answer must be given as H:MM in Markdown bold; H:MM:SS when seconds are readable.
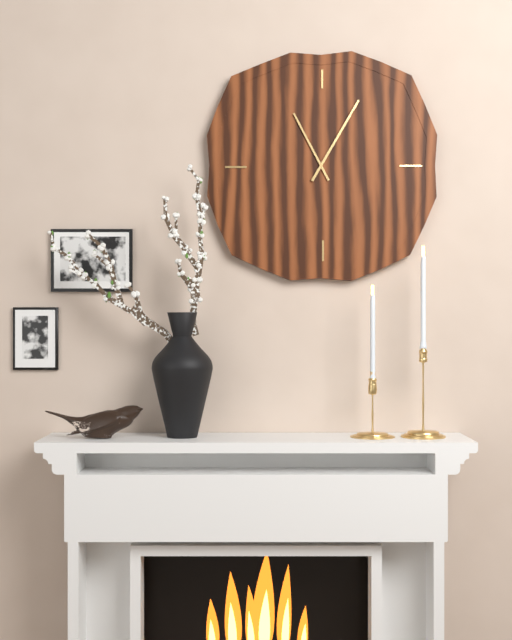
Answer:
**11:05**
